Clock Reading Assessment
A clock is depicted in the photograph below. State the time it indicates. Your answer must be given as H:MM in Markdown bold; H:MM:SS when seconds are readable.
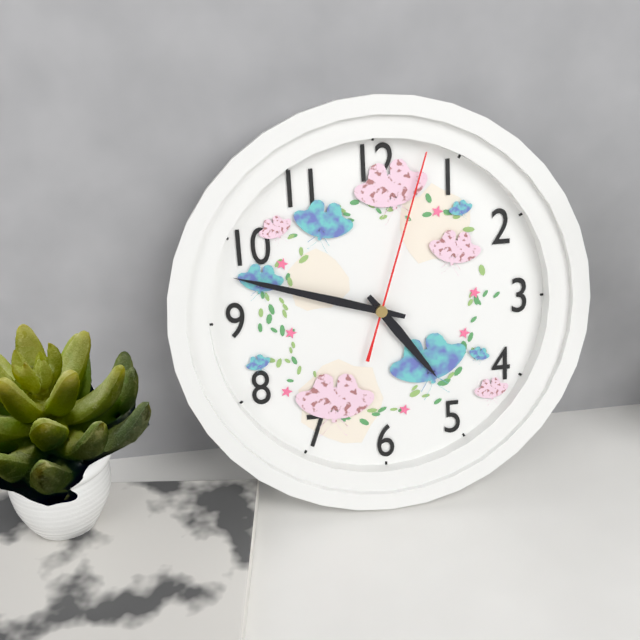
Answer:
**4:48:03**
